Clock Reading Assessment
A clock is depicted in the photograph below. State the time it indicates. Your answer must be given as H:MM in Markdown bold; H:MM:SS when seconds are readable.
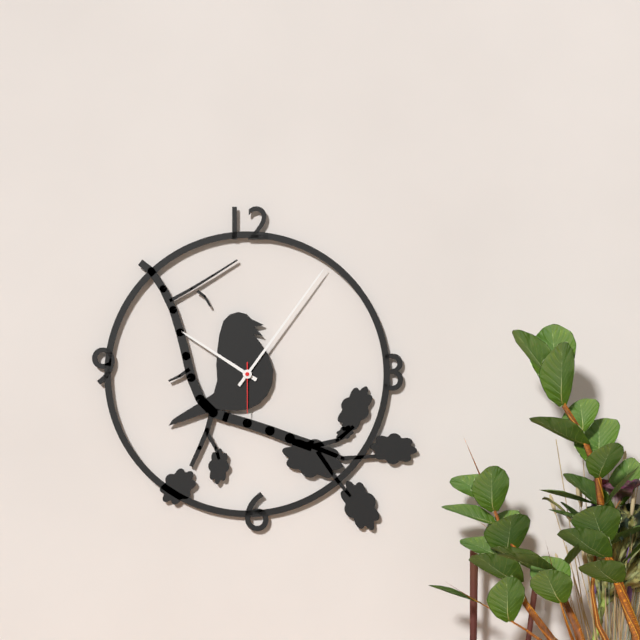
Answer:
**10:06:30**
